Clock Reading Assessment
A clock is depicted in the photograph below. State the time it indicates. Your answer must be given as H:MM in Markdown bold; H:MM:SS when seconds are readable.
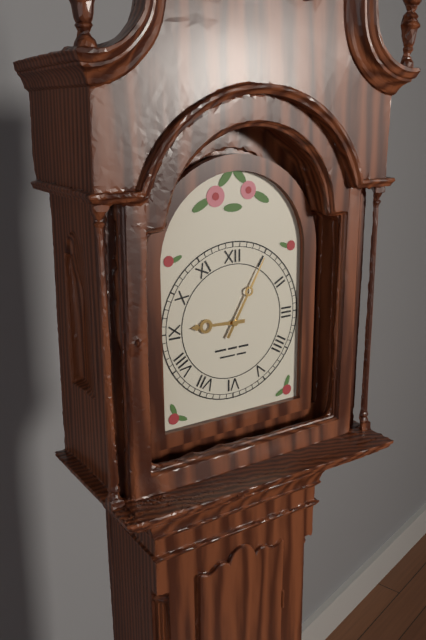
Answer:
**9:05**
